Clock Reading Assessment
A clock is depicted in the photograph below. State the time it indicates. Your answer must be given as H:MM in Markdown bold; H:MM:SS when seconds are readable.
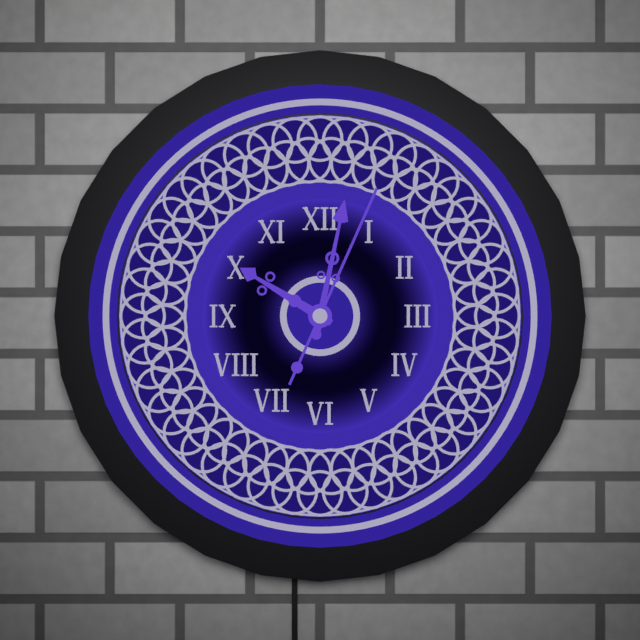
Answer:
**10:02:04**
